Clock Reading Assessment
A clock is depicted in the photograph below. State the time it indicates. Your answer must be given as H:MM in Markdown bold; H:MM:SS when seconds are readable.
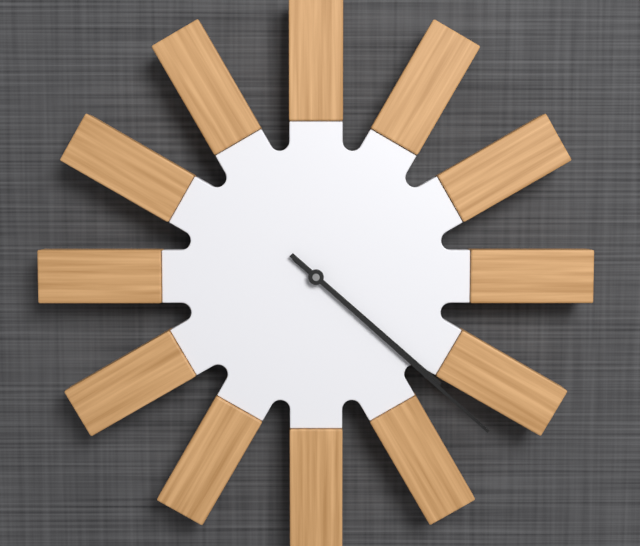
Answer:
**4:22**
